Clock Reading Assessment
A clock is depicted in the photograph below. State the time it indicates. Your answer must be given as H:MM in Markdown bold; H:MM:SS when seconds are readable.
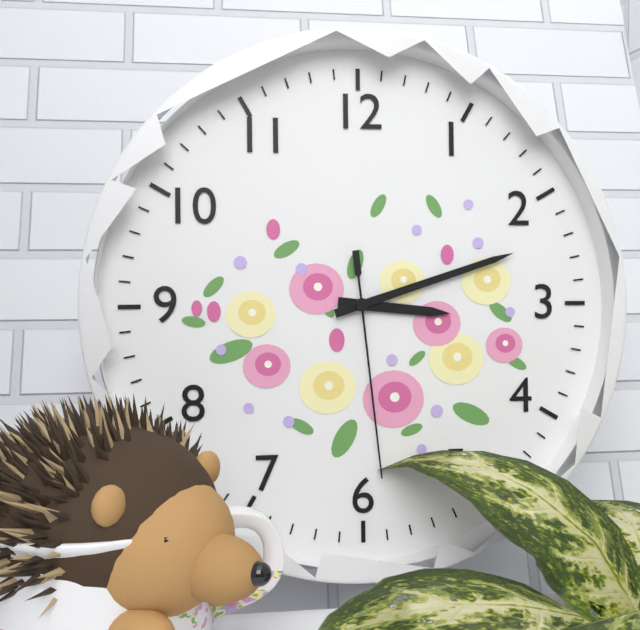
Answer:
**3:12:29**
